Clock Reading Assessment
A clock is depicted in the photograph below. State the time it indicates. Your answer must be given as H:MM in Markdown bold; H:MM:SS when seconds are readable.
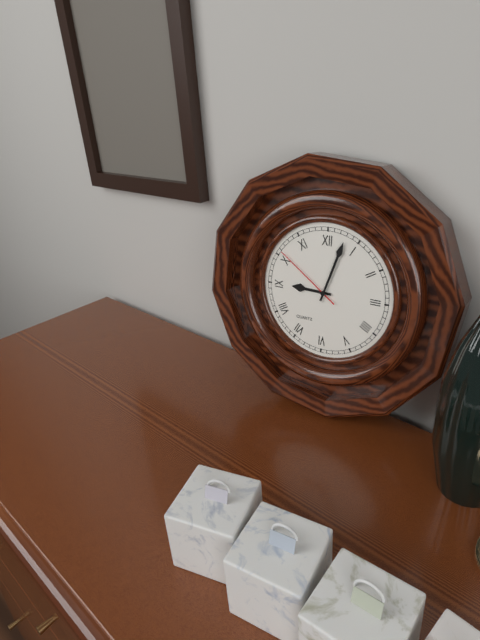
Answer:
**9:03:51**
